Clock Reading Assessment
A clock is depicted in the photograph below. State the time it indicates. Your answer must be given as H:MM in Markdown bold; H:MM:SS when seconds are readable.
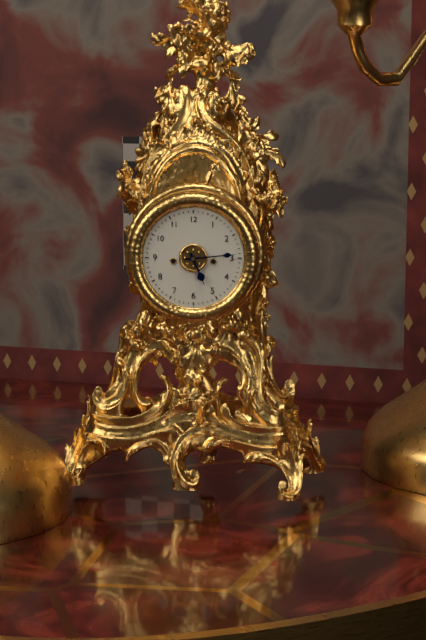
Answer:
**5:14**
